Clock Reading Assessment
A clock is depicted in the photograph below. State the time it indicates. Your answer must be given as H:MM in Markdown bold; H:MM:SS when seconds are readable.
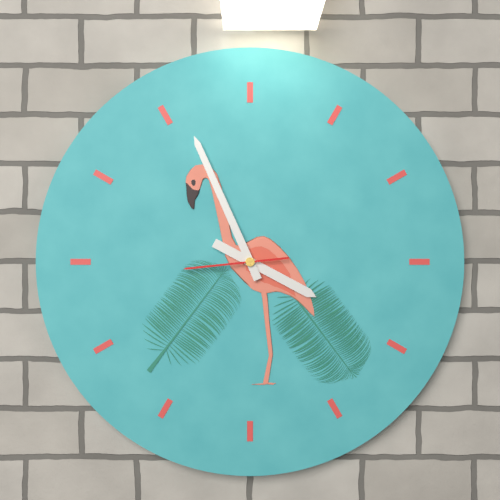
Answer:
**3:56:44**
